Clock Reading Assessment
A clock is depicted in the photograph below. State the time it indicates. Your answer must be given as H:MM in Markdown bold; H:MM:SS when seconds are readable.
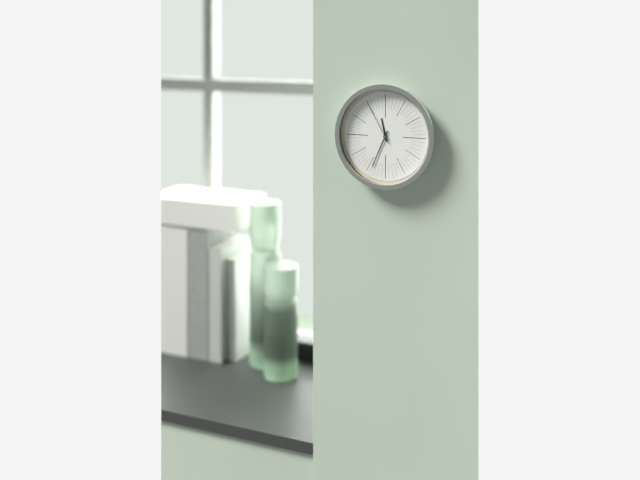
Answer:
**11:34**
